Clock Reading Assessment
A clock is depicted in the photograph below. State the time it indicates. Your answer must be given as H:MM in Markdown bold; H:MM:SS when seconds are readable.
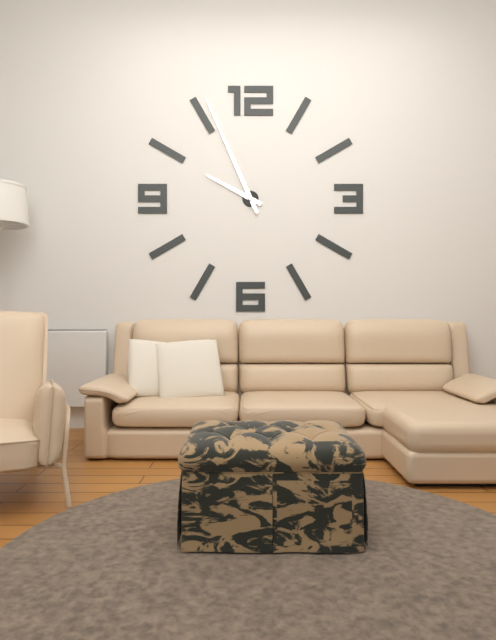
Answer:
**9:56**
